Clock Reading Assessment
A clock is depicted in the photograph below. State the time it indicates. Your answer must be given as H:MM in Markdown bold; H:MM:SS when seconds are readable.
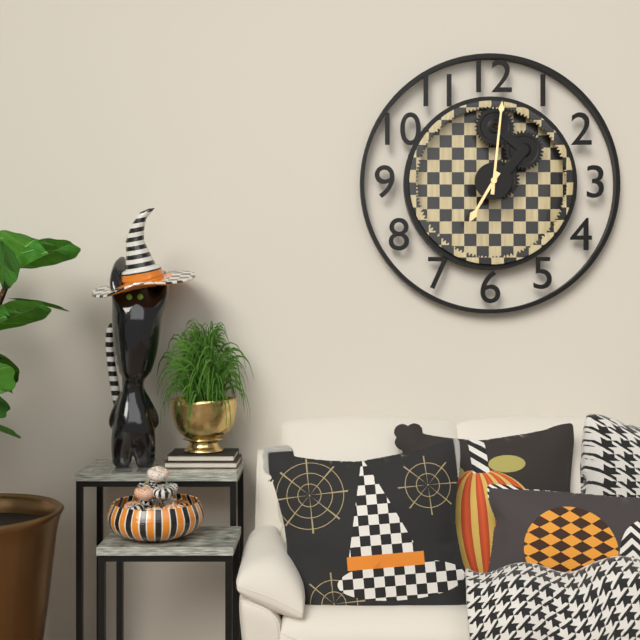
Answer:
**7:01**
